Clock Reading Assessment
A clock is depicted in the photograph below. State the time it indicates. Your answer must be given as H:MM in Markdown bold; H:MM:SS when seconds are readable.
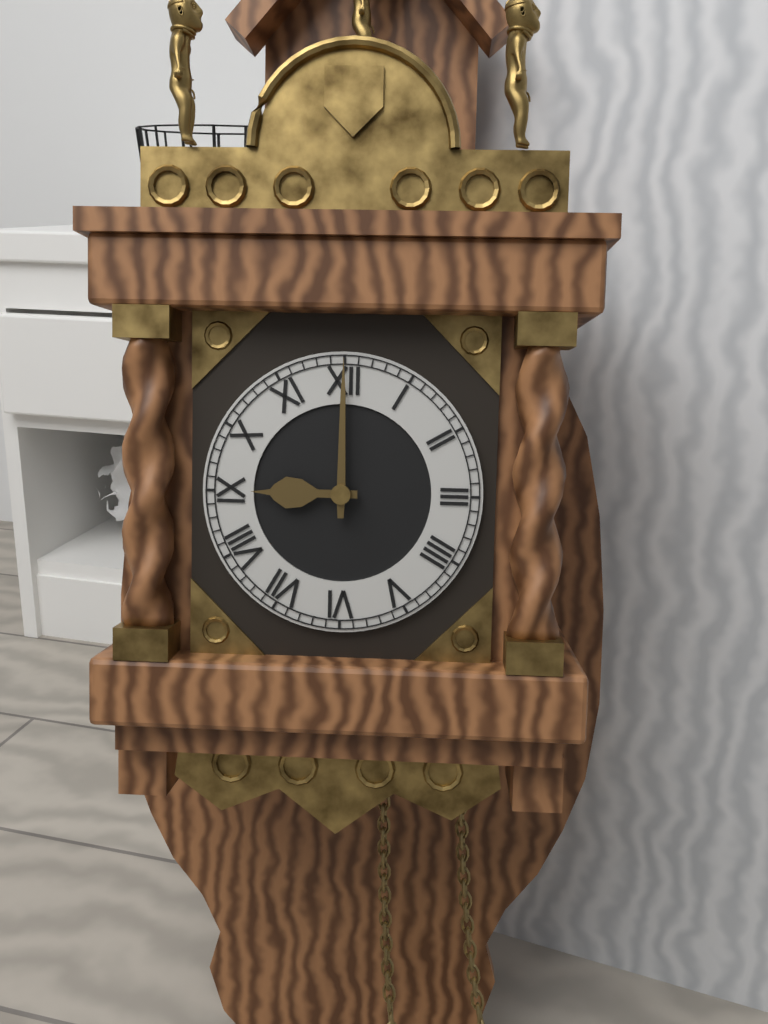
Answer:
**9:00**
